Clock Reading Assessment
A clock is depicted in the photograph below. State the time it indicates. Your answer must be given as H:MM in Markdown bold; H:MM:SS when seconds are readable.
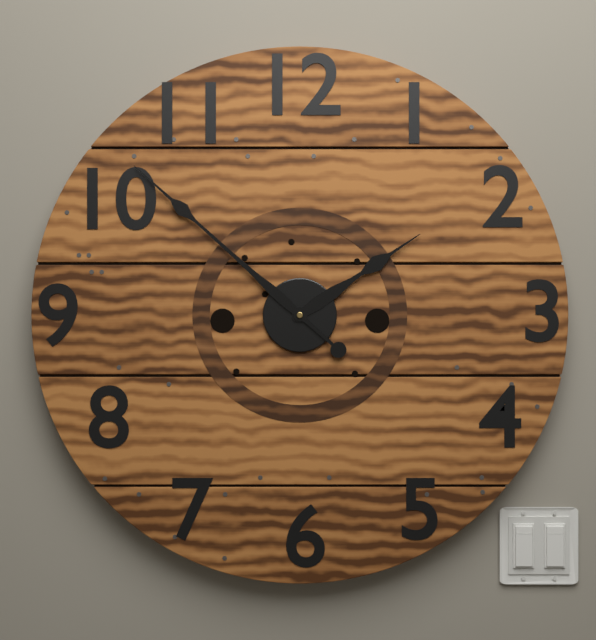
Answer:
**1:52**
